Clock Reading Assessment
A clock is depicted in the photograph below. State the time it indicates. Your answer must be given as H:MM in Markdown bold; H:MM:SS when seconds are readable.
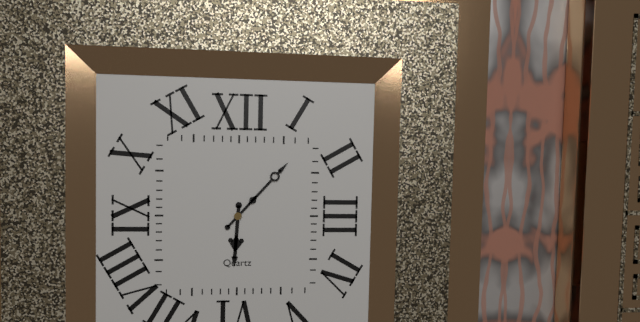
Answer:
**6:07**
